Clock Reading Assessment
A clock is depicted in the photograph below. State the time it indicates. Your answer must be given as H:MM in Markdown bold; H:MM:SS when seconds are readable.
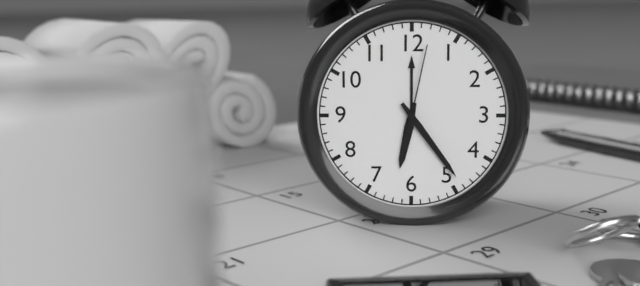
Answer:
**6:24:02**
